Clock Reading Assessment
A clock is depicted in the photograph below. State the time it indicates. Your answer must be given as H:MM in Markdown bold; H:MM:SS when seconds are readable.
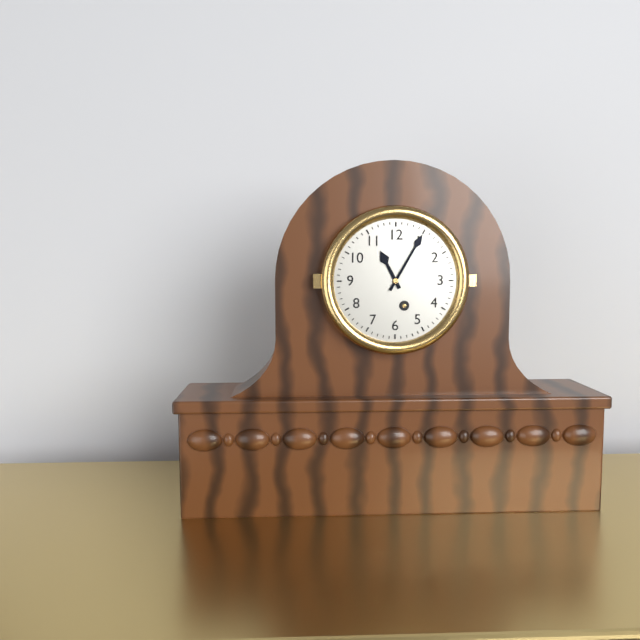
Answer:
**11:05**
